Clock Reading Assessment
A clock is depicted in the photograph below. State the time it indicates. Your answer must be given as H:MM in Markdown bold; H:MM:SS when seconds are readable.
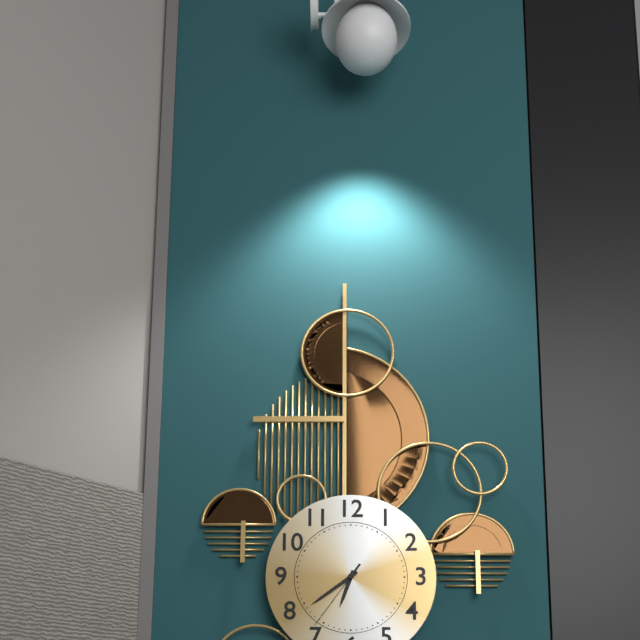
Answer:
**6:39:36**
